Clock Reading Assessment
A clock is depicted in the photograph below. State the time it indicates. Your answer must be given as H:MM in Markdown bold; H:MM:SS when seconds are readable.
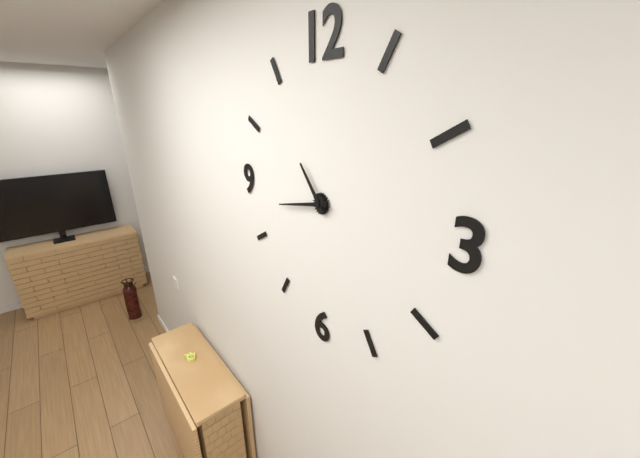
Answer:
**10:43**
